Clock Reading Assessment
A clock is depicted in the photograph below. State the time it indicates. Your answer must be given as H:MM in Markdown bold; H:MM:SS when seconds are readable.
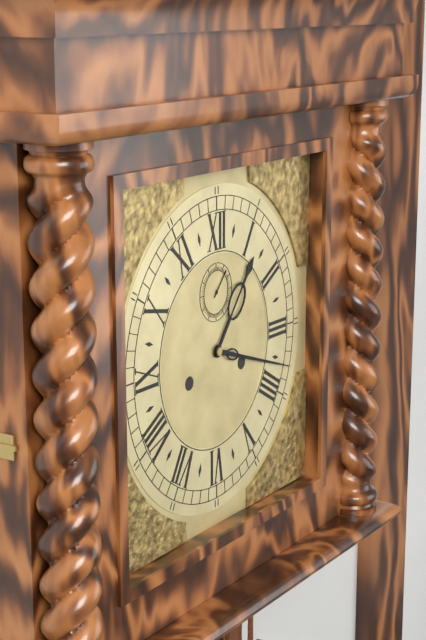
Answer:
**1:18**
